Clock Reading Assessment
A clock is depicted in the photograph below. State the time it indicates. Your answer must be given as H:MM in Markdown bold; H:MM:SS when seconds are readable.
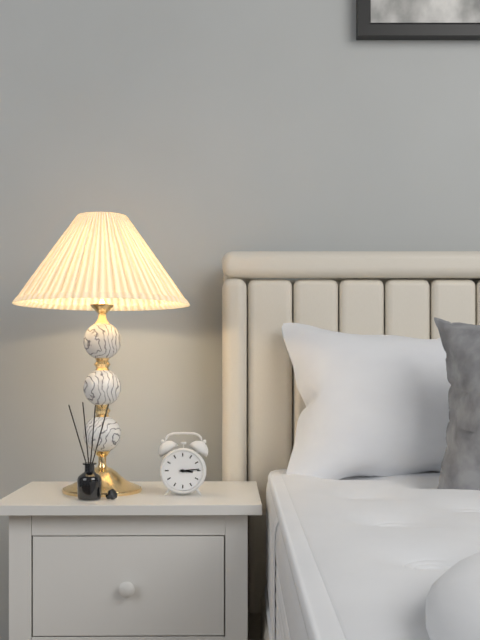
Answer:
**3:14**
